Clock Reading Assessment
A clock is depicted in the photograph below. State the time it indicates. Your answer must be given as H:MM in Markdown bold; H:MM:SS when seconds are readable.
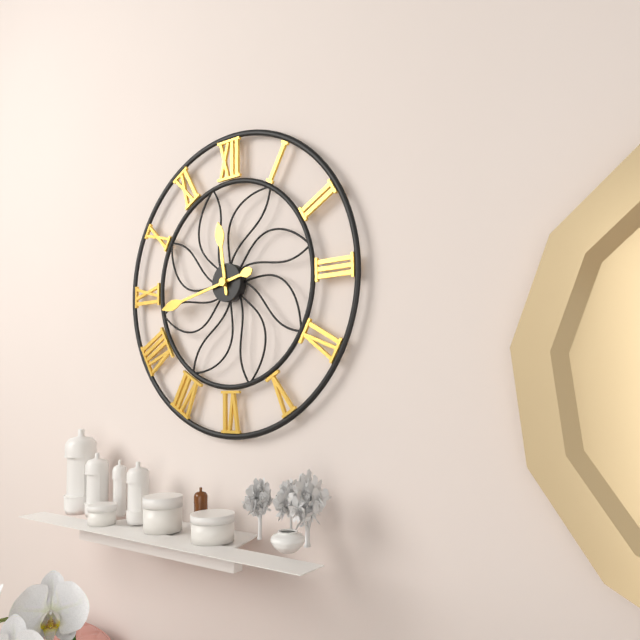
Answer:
**11:43**
